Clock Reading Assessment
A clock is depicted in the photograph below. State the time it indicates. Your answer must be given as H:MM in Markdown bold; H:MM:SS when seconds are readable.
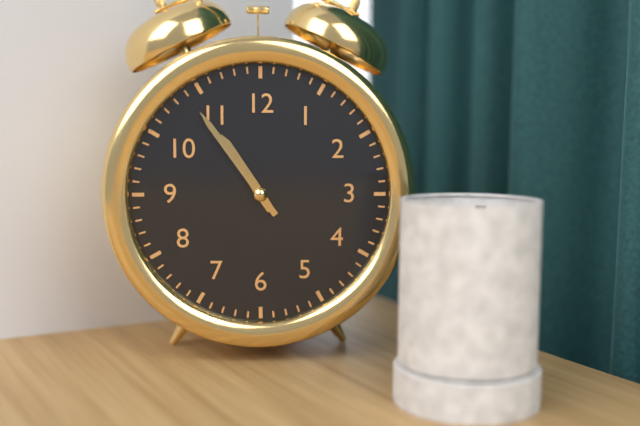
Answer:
**10:54**
